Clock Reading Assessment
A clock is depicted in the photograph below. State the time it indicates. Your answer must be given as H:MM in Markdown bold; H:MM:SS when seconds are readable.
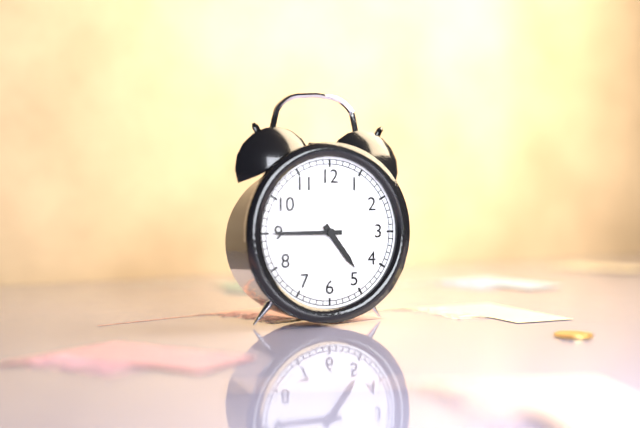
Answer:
**4:45**
